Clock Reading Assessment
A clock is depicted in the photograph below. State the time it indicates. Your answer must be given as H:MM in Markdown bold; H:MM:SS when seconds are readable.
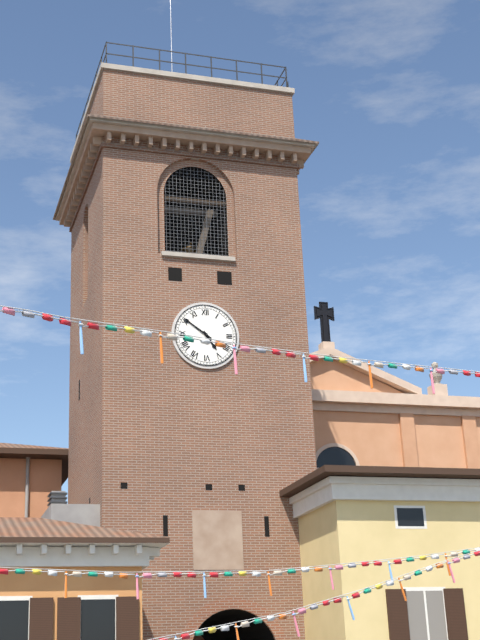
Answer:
**4:51**
